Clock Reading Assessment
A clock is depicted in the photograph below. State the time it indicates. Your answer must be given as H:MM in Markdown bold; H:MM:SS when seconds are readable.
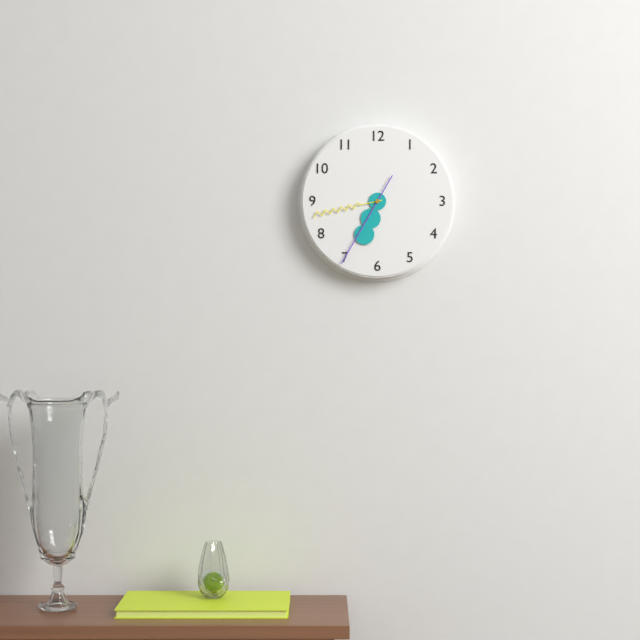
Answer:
**6:43:35**
